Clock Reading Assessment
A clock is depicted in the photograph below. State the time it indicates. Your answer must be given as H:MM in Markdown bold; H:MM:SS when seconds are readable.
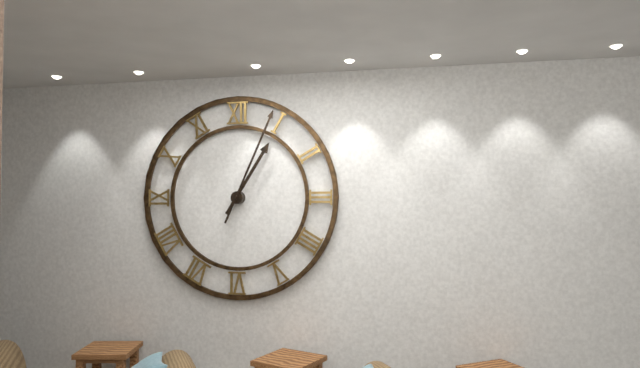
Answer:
**1:04**
